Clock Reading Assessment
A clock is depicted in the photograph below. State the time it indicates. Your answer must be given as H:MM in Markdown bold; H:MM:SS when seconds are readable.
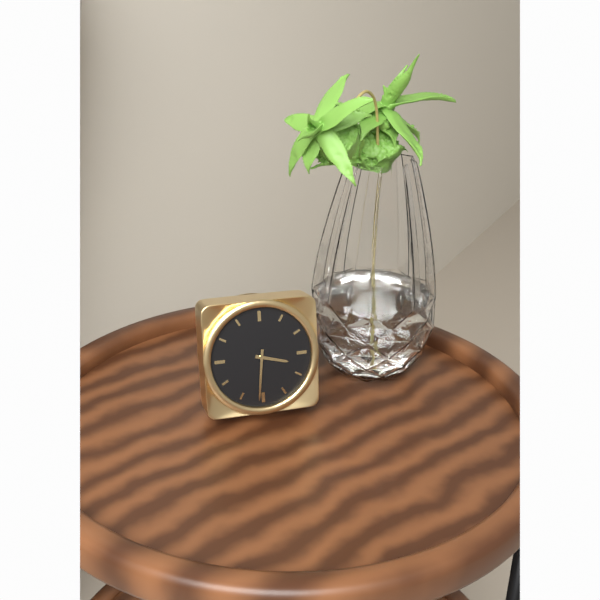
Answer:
**3:31**
